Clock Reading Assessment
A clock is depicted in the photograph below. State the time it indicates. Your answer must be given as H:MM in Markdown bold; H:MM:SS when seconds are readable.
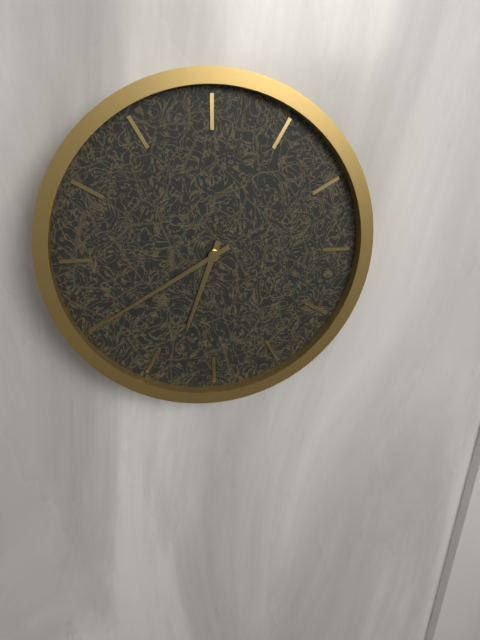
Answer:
**6:40**
